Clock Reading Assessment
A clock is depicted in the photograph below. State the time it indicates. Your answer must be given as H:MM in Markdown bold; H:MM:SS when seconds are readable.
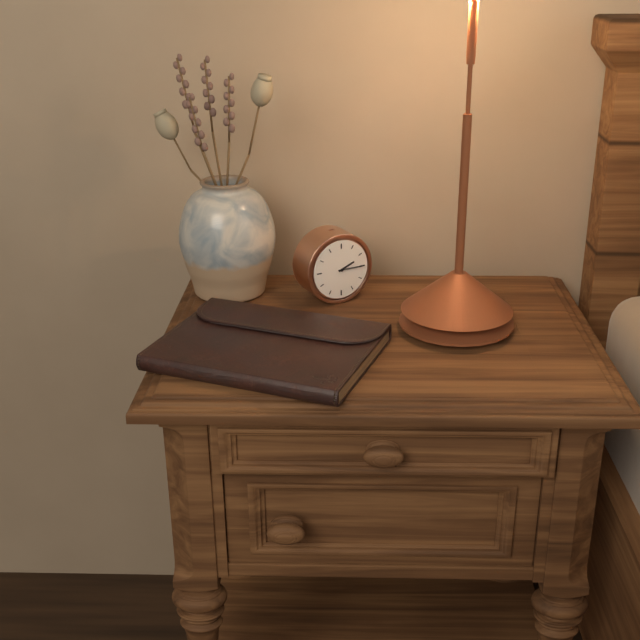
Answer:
**2:15**
